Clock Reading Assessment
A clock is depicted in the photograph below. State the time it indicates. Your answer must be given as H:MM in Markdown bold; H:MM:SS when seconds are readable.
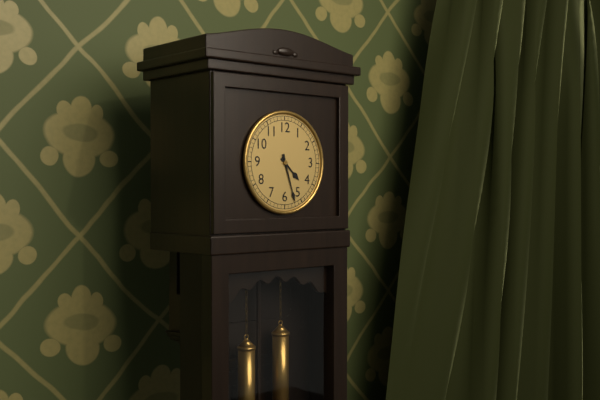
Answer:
**4:27**
